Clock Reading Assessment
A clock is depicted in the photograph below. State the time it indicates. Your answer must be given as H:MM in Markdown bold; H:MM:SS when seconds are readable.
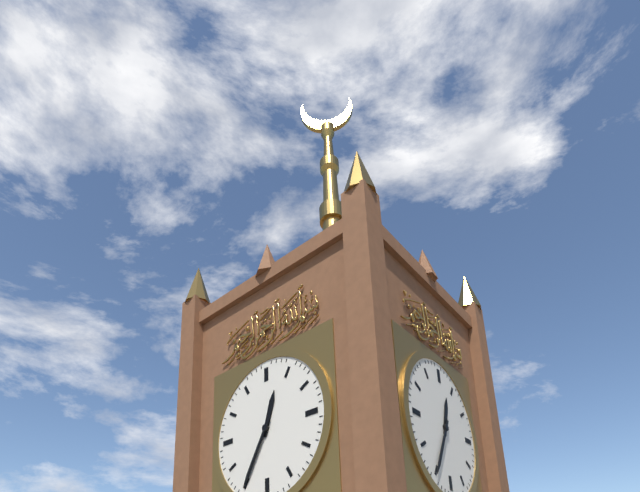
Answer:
**12:35**
